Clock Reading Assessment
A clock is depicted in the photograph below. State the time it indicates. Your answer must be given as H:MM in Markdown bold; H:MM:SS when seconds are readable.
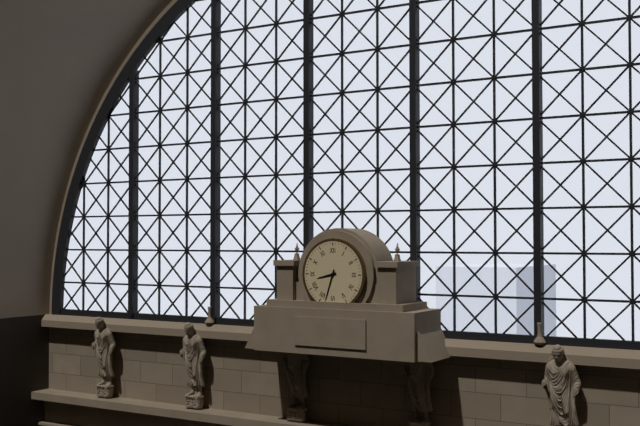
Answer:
**8:33**
